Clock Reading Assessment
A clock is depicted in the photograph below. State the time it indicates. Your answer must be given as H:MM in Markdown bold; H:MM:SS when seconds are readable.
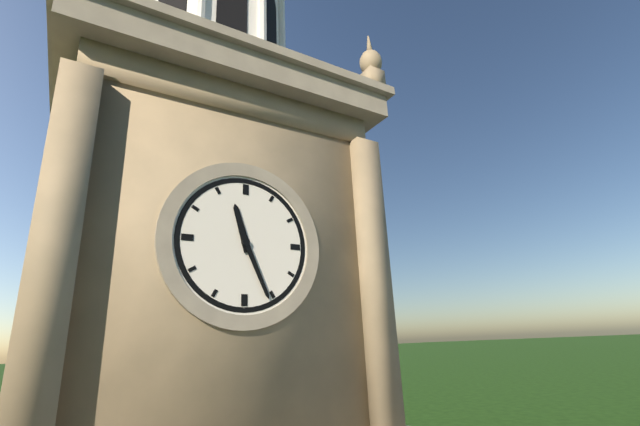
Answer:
**11:26**
